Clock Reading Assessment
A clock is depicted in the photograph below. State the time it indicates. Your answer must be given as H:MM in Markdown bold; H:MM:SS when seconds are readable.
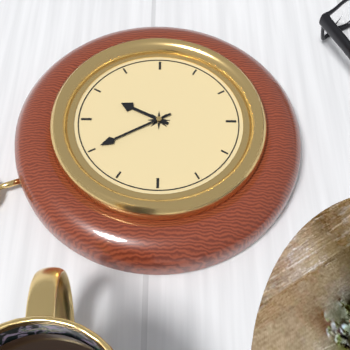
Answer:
**12:55**
